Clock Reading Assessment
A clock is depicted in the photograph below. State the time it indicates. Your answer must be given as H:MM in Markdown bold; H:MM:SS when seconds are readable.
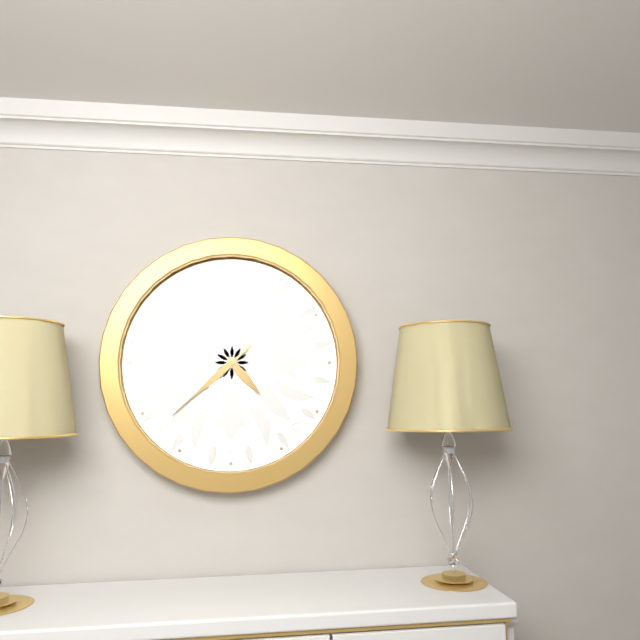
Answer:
**4:38**
